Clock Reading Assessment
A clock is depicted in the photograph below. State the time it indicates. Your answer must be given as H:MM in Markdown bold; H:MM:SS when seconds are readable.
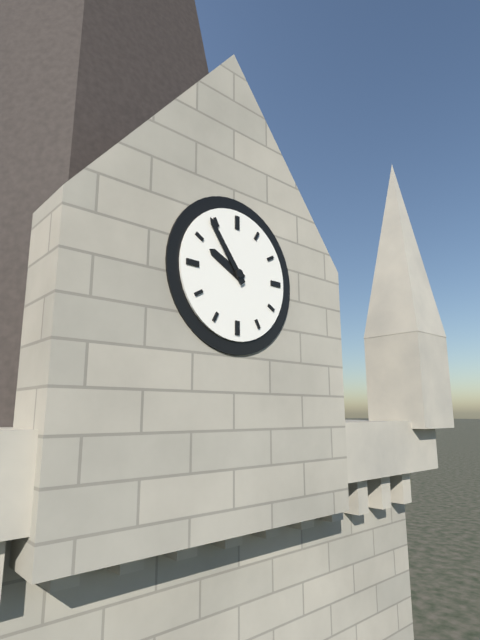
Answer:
**9:54**
